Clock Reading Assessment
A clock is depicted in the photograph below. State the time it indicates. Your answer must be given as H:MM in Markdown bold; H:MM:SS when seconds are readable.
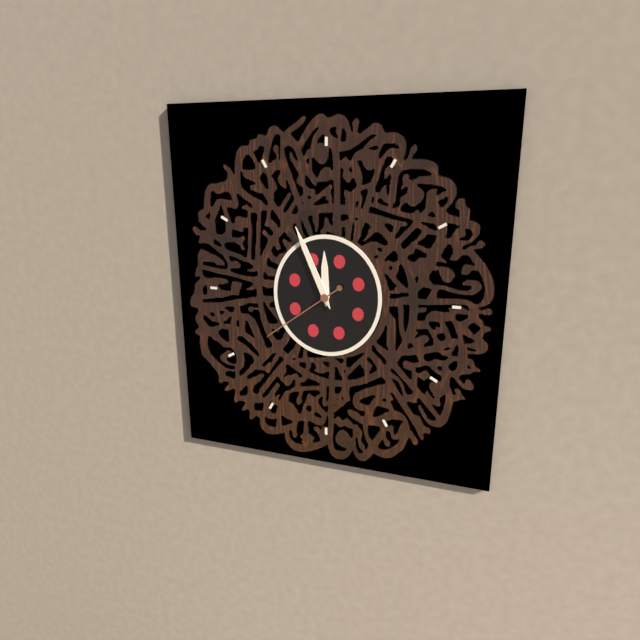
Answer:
**11:56:39**
